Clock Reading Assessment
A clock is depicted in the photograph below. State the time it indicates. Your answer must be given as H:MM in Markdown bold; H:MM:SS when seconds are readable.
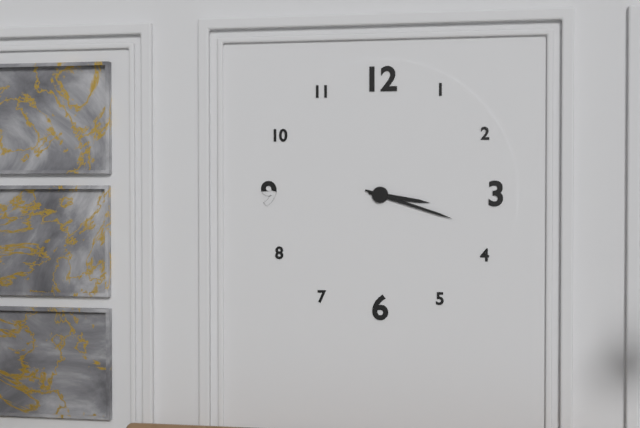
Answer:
**3:18**
